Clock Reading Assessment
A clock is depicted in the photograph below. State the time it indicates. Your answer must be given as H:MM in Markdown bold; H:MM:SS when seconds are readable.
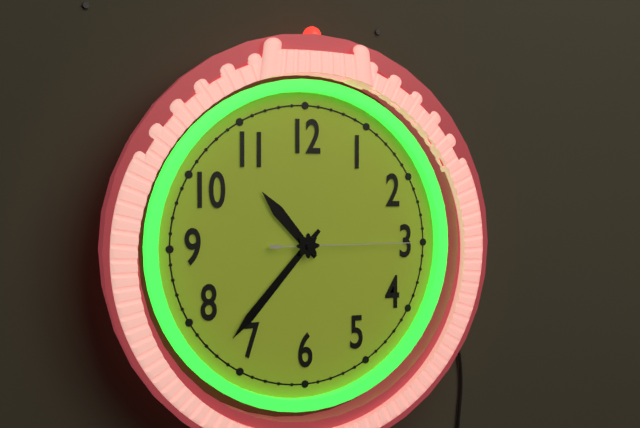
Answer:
**10:37:15**
